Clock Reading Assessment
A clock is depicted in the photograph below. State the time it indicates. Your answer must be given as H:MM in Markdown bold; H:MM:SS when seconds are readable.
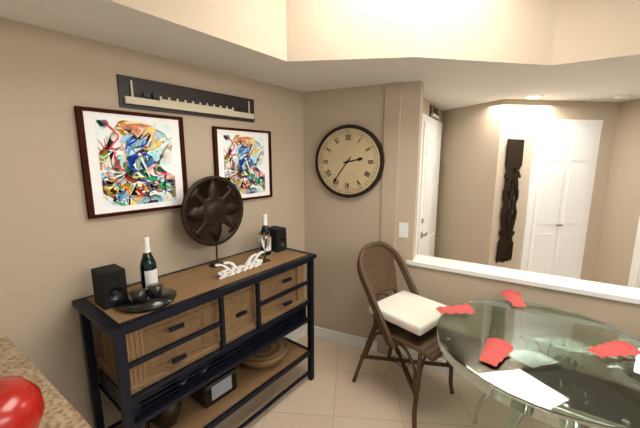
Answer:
**2:36**
